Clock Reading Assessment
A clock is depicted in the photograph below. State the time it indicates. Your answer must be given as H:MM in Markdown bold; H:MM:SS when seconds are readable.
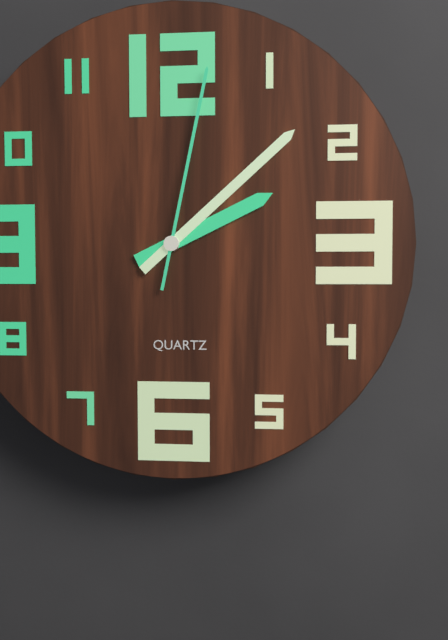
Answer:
**2:08:02**
